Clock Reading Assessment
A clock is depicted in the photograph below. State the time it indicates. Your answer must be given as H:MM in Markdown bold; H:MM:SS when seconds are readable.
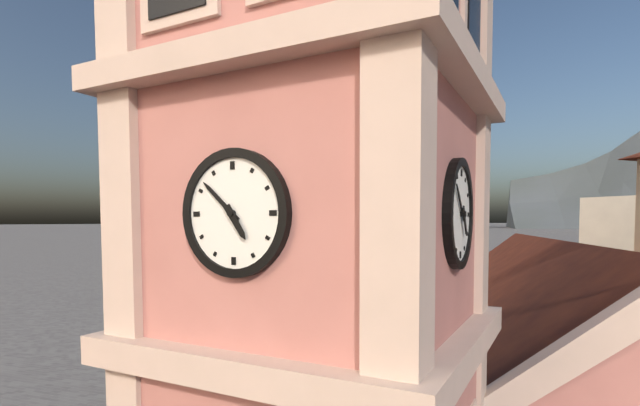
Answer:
**4:52**
